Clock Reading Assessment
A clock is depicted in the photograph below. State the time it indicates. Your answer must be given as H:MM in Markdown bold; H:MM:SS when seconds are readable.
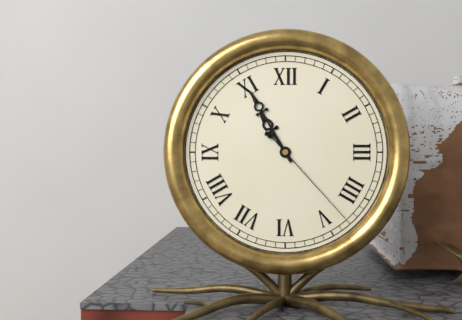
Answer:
**10:55:23**
